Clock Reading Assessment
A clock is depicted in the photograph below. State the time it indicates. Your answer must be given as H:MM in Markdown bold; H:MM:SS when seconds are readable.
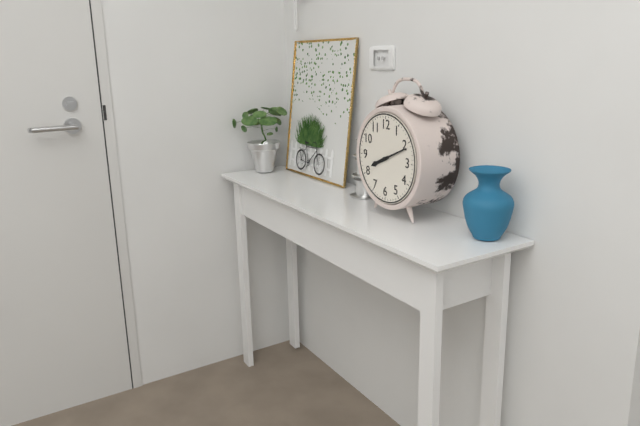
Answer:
**8:11**
